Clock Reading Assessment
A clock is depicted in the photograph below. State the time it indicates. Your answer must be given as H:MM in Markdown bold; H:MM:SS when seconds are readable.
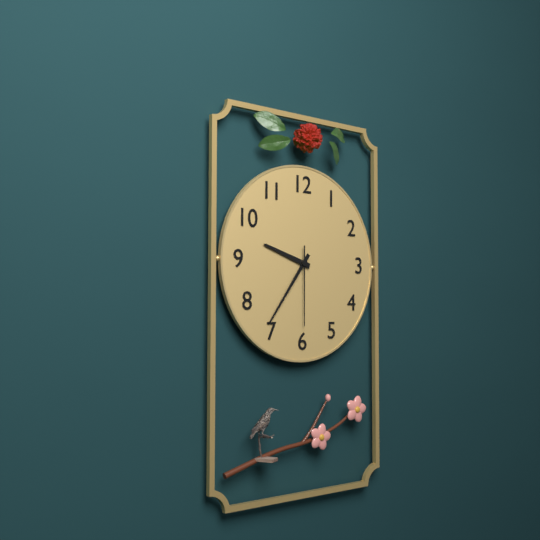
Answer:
**9:36:30**
